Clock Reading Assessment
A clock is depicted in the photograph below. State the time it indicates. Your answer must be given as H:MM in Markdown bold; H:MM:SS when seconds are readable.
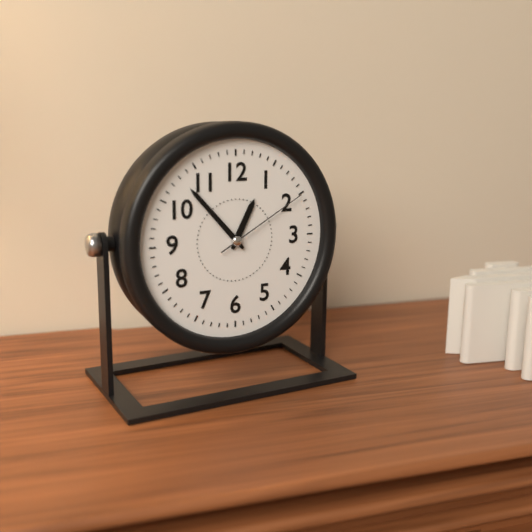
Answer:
**12:53:10**
